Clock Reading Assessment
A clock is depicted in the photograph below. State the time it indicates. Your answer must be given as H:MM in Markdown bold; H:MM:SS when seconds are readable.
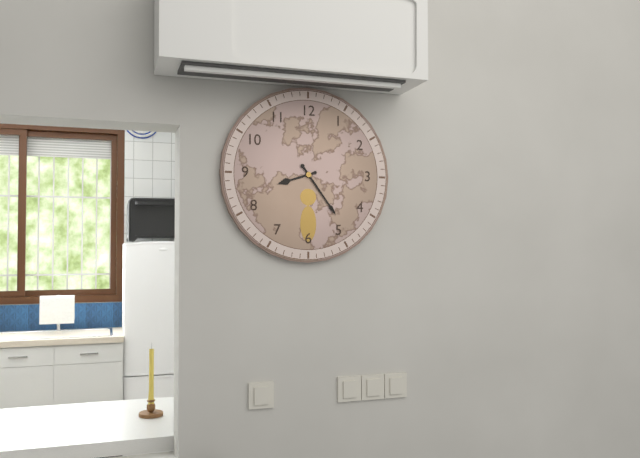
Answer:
**8:24**
